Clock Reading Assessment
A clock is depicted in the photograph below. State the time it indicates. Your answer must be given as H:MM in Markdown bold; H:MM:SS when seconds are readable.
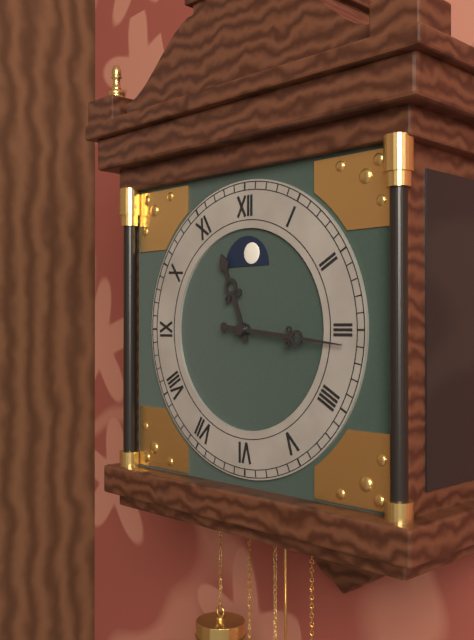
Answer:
**11:16**
